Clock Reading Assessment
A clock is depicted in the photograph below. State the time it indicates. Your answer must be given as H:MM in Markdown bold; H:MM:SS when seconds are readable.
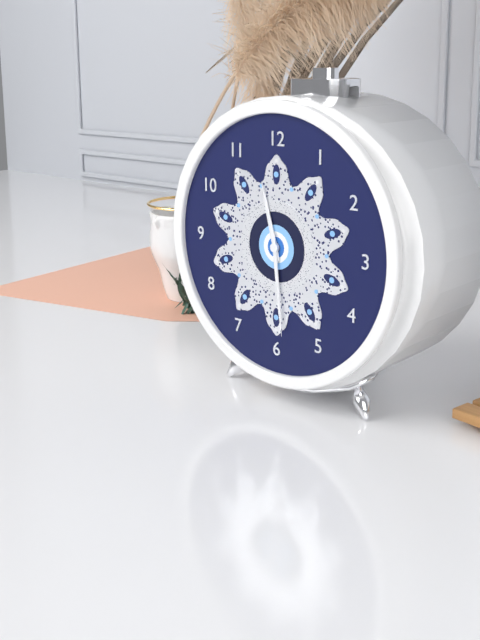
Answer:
**11:29**
